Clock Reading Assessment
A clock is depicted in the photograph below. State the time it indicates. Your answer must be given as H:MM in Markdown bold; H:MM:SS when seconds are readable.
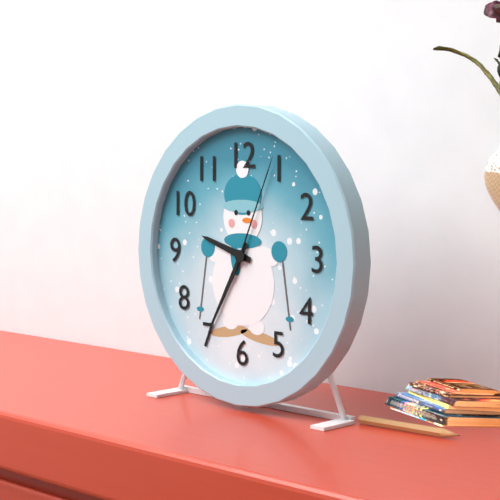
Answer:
**9:35:04**
